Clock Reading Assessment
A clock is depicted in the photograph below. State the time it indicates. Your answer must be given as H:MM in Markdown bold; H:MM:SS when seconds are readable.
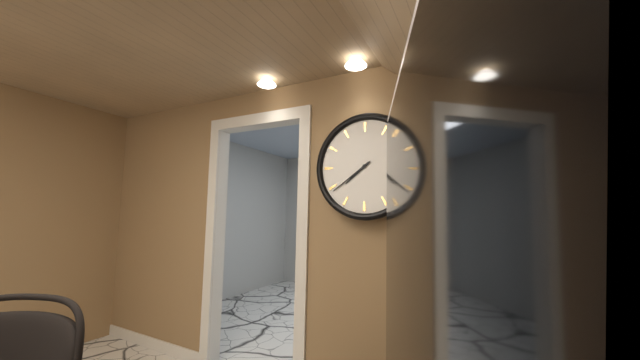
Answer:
**7:39**
